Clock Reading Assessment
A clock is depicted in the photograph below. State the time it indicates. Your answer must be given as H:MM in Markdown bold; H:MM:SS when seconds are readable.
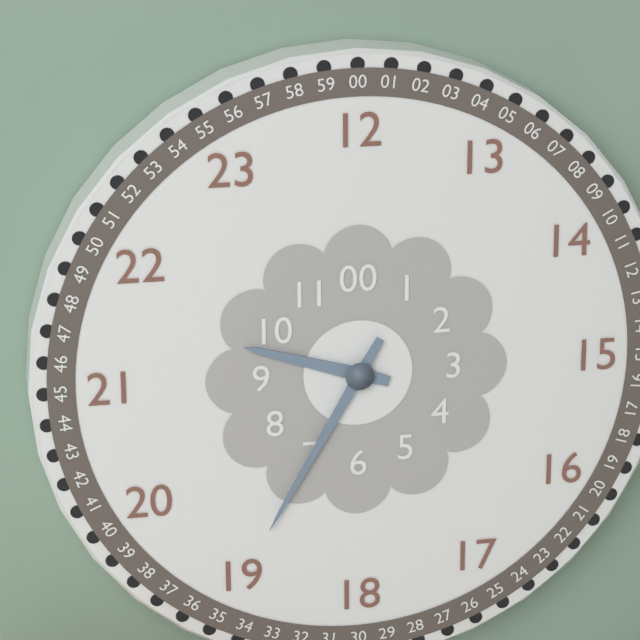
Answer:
**9:35**
